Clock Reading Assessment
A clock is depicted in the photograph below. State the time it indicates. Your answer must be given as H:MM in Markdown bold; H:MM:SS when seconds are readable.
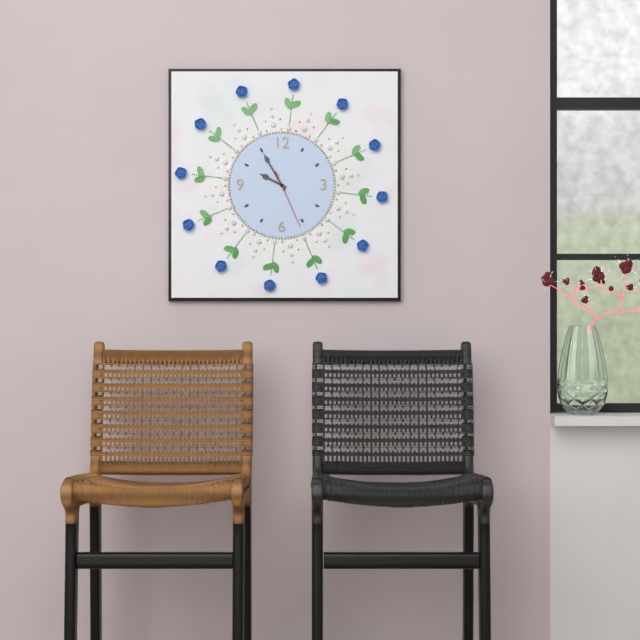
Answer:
**9:55:26**
